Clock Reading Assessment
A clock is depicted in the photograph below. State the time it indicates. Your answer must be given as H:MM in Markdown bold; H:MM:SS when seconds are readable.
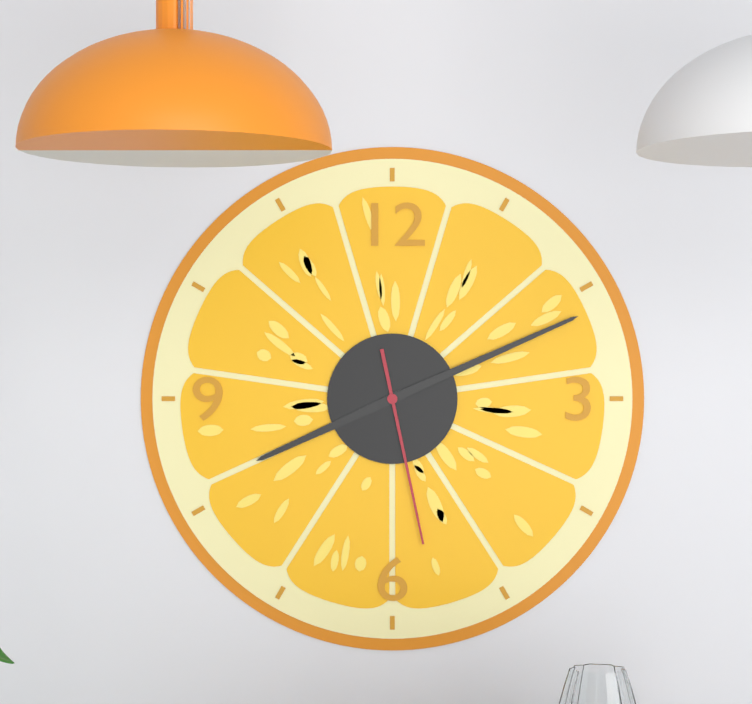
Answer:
**8:11:28**
